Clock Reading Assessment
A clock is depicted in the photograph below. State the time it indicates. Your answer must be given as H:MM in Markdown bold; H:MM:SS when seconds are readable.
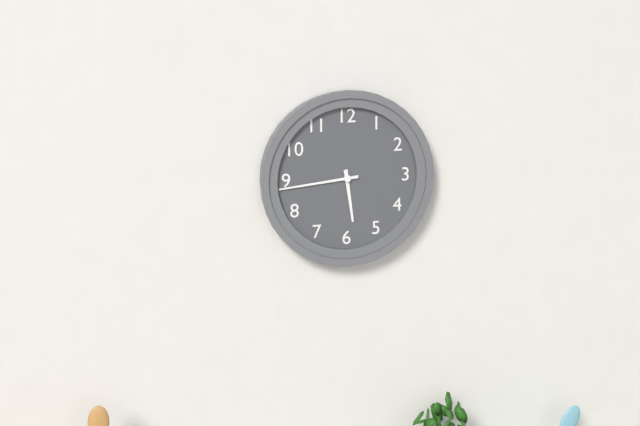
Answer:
**5:44**
